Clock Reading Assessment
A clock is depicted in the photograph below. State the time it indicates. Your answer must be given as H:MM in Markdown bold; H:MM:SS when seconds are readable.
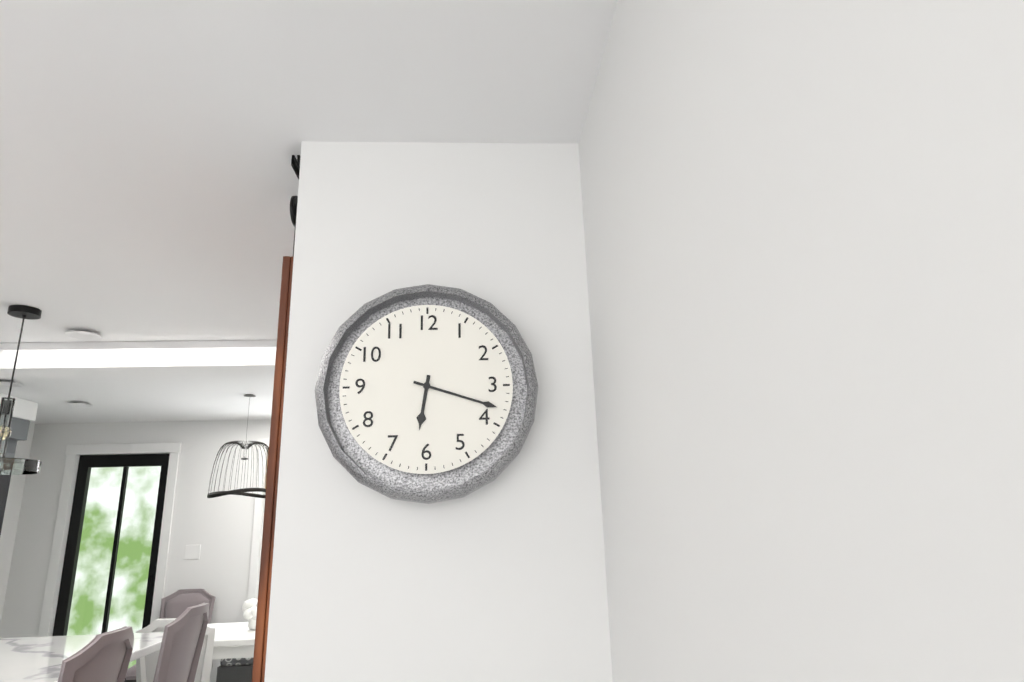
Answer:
**6:18**
